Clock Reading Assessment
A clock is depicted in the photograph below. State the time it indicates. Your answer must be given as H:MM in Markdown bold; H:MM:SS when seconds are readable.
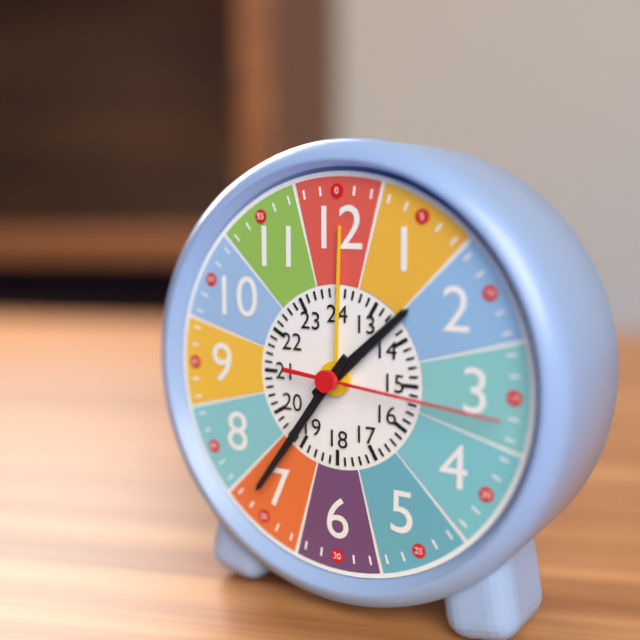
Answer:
**1:36:16**
